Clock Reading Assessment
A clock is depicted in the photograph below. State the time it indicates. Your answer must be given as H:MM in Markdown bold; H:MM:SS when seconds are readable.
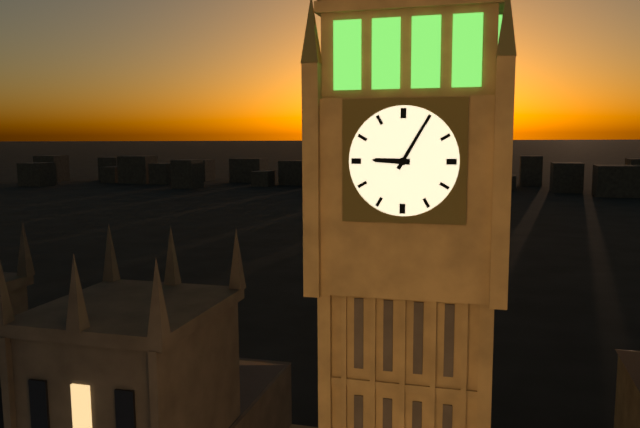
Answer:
**9:05**
